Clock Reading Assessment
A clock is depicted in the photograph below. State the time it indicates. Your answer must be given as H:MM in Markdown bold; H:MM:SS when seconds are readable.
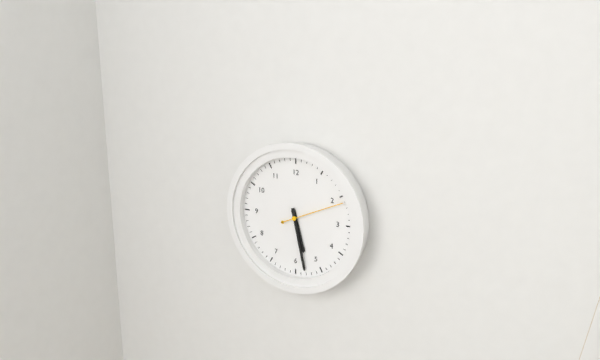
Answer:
**5:28:11**
